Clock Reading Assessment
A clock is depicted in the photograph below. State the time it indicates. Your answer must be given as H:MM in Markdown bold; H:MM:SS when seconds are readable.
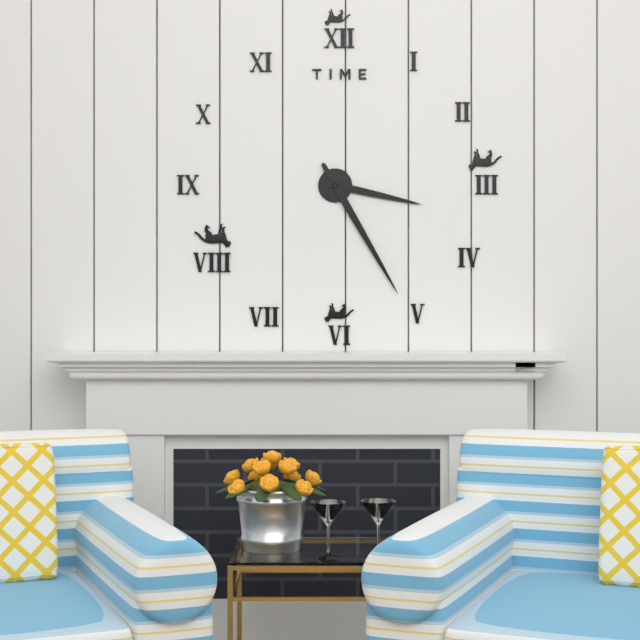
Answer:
**3:25**
